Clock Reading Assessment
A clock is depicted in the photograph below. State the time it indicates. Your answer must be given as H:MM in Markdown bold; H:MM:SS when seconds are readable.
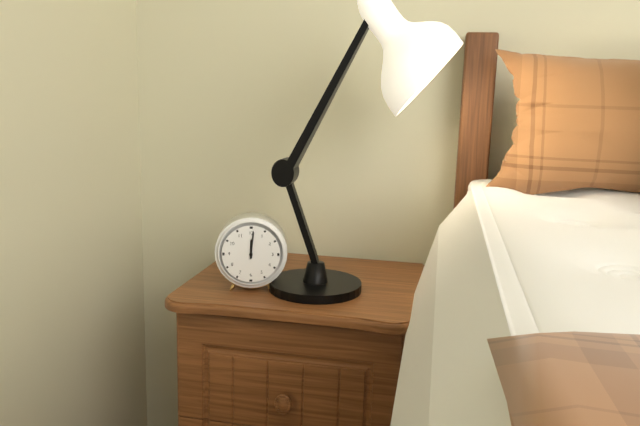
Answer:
**12:01**
